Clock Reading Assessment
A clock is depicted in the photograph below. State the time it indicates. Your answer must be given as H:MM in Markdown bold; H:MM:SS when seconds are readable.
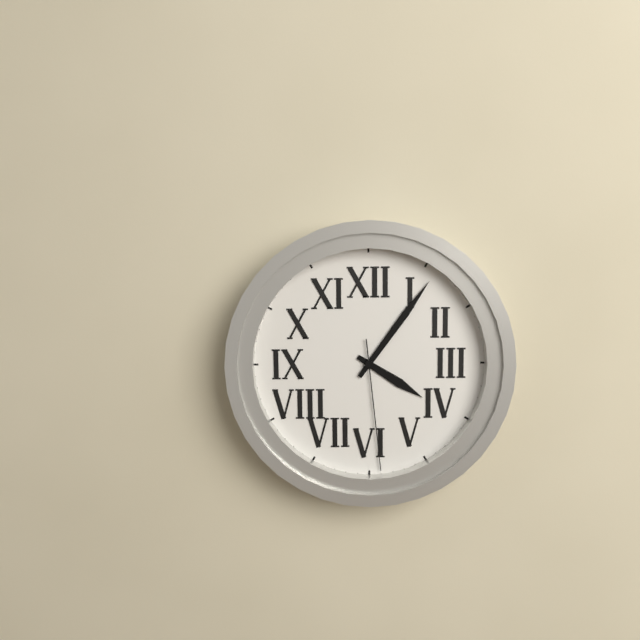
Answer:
**4:06:29**
